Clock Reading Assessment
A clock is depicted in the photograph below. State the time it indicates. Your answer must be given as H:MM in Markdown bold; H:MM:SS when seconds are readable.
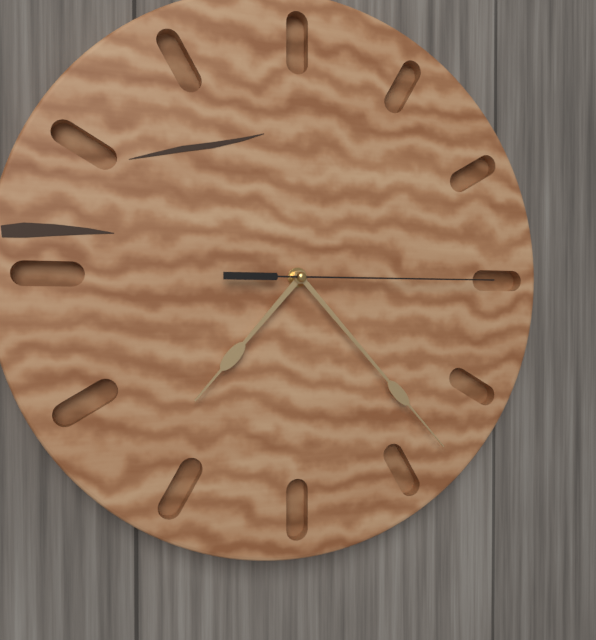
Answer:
**7:23:15**
